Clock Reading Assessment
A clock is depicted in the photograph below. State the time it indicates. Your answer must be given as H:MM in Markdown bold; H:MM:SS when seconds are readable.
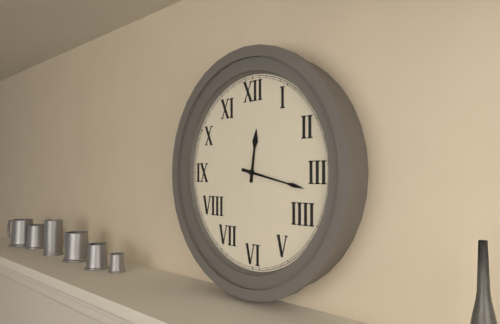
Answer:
**12:17**
